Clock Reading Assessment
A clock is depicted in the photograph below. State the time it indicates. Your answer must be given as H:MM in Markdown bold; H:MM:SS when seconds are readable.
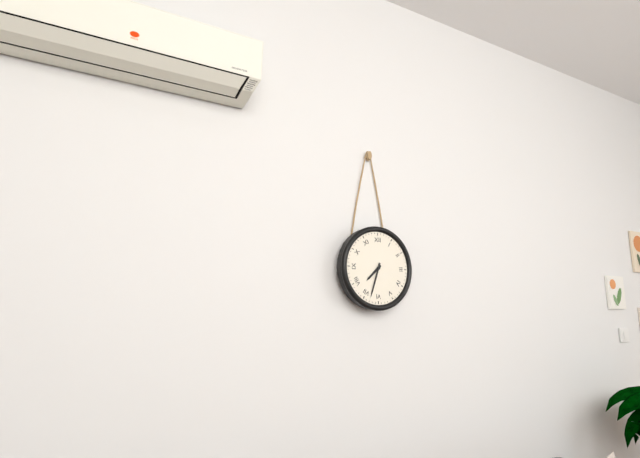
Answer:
**7:33**
